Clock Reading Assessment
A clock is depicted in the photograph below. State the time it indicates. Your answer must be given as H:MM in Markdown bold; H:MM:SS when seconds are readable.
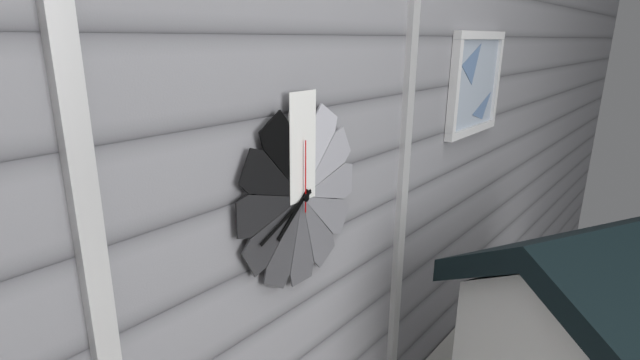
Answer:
**7:41:00**
